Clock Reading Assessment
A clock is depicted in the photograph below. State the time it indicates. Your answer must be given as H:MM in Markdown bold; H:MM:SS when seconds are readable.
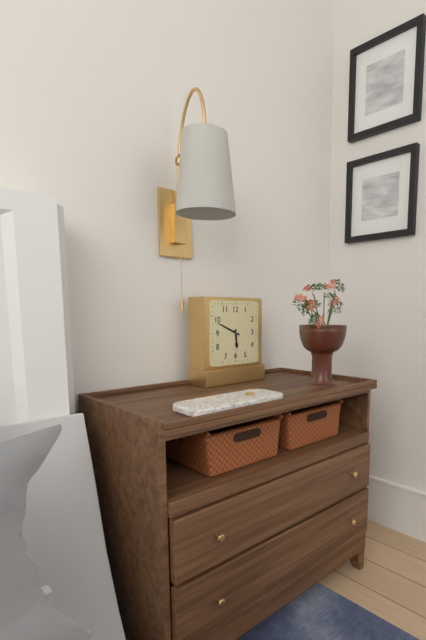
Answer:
**5:49**
